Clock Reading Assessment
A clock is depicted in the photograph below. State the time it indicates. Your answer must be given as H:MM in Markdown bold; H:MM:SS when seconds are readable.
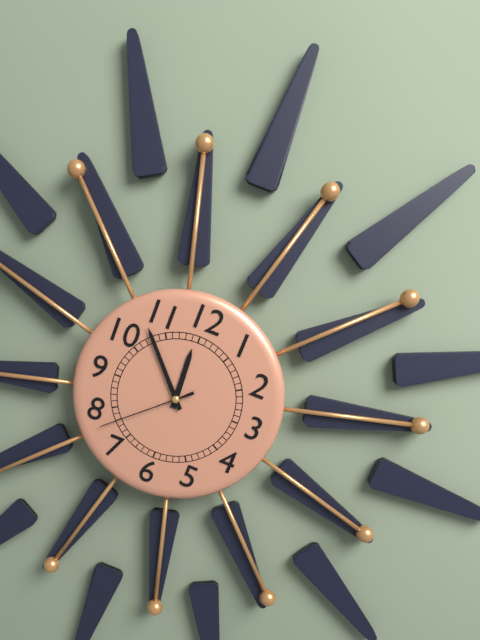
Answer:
**11:53:38**
